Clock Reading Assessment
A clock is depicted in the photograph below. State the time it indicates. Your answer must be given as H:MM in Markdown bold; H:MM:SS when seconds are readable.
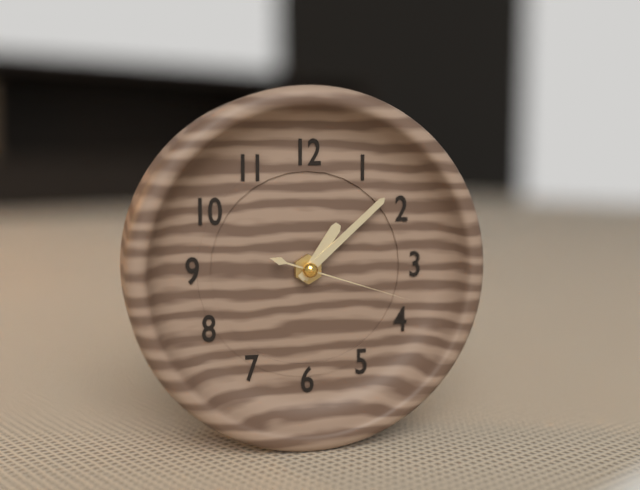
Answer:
**1:08:18**
